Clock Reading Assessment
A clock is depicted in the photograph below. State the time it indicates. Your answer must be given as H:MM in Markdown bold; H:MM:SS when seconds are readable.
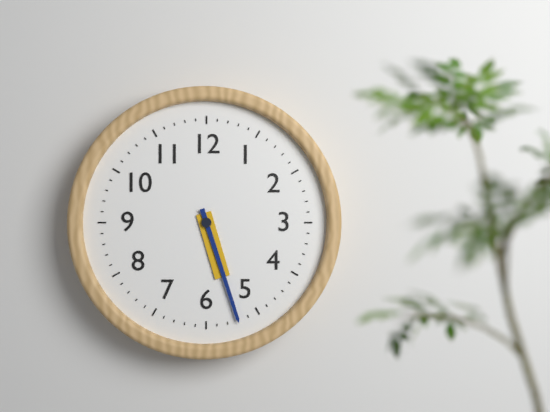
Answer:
**5:27**
